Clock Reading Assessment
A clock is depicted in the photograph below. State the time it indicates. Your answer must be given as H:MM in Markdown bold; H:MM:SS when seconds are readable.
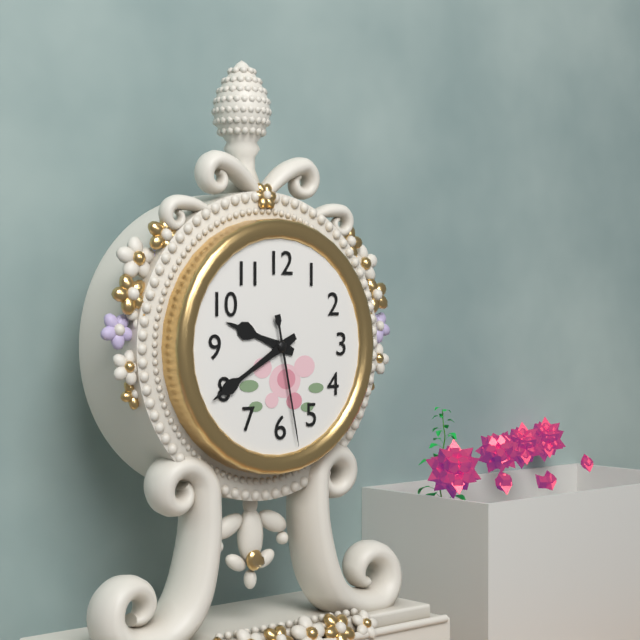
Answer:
**9:40:28**
